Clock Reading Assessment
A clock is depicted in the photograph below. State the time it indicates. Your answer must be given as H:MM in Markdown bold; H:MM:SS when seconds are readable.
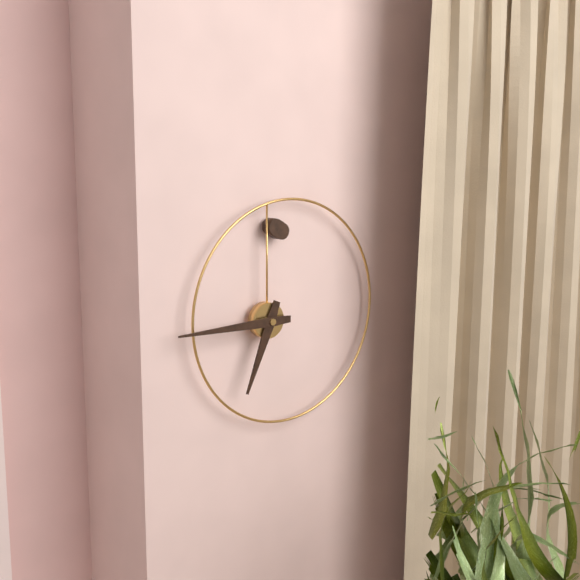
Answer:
**6:45**
